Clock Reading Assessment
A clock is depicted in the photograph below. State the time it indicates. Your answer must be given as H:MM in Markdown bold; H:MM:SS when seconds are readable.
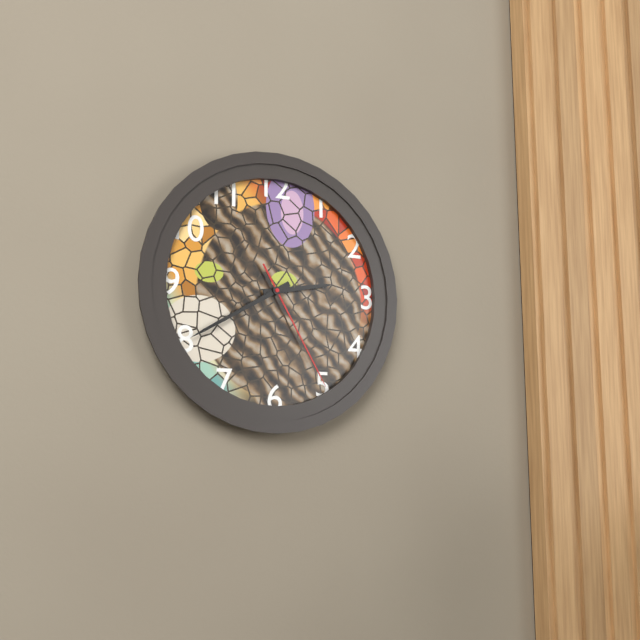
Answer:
**2:40:25**
